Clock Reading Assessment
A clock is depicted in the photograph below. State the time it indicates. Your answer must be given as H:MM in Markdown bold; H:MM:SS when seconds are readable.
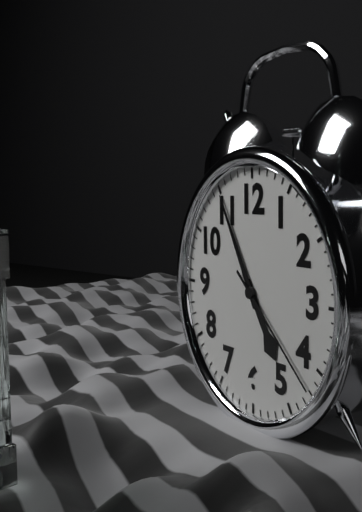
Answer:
**4:55:22**
